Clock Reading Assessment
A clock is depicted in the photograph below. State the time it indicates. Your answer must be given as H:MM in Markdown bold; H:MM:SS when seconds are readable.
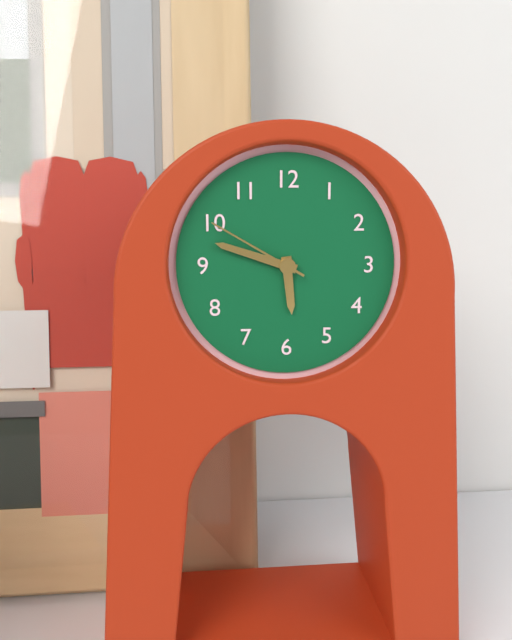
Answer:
**5:48:50**
